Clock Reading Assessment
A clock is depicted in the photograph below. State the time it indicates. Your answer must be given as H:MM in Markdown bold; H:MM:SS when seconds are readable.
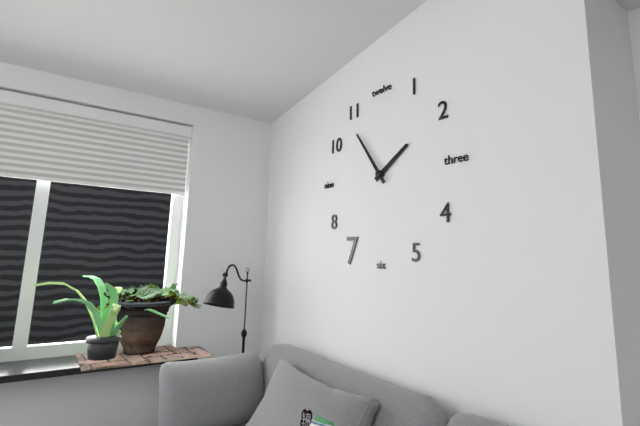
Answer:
**1:54**
